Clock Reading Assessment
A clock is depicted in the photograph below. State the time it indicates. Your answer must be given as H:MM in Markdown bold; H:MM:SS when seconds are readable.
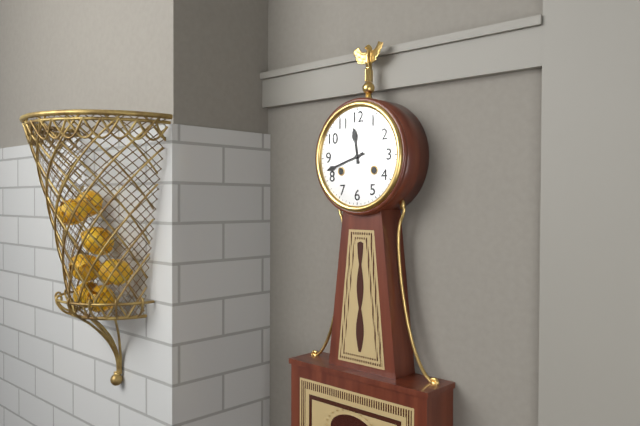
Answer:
**11:42**
